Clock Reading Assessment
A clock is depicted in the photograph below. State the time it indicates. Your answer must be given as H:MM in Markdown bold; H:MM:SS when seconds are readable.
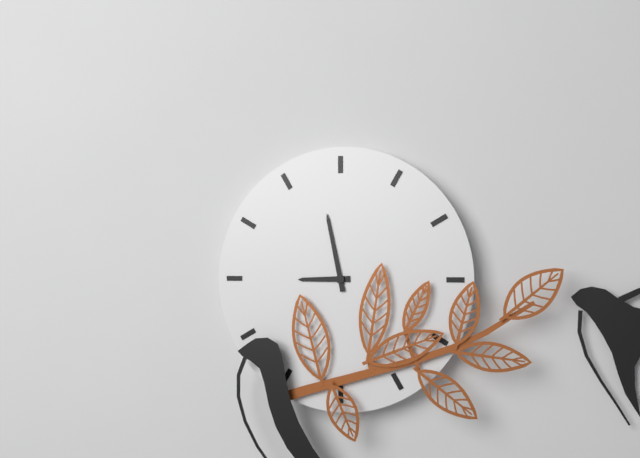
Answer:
**8:58**
